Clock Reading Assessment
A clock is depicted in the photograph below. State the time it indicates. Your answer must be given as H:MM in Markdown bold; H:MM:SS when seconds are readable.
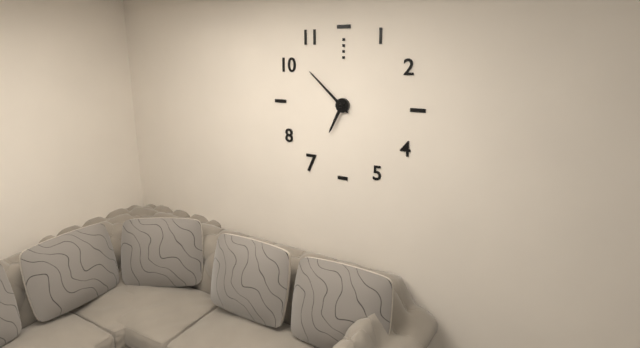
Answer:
**6:52**
